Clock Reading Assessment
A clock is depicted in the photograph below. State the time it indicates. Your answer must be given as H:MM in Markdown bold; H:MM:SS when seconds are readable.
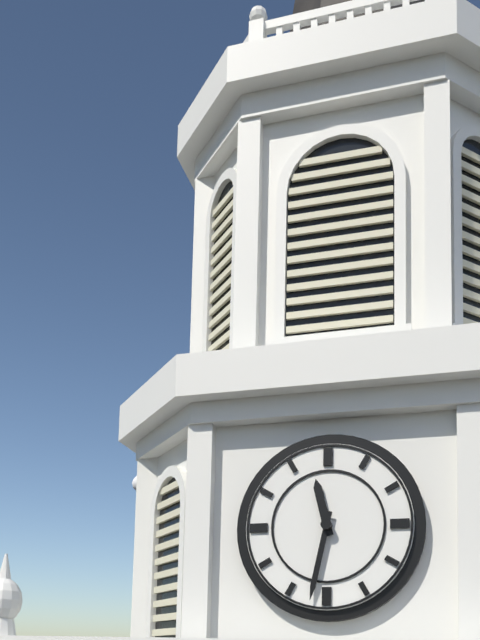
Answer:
**11:32**
